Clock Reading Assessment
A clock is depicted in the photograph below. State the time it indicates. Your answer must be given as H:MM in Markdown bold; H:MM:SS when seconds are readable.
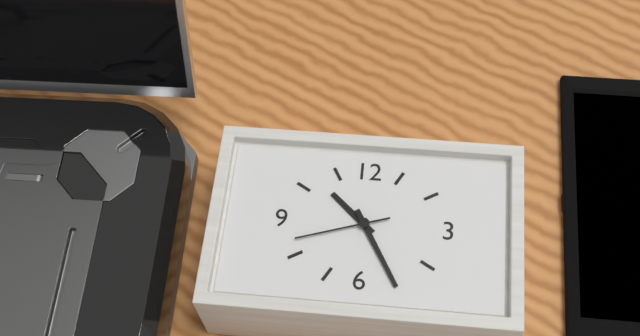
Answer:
**10:25:42**
